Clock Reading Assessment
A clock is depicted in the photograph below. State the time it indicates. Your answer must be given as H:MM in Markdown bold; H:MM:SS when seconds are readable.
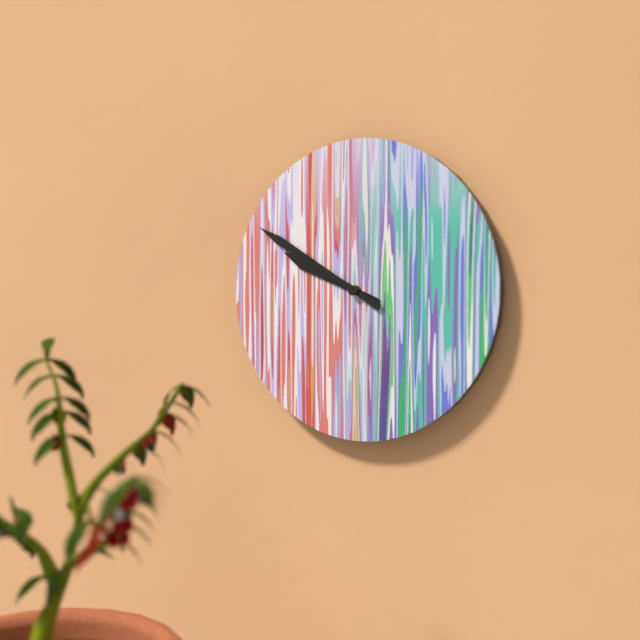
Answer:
**9:50**
